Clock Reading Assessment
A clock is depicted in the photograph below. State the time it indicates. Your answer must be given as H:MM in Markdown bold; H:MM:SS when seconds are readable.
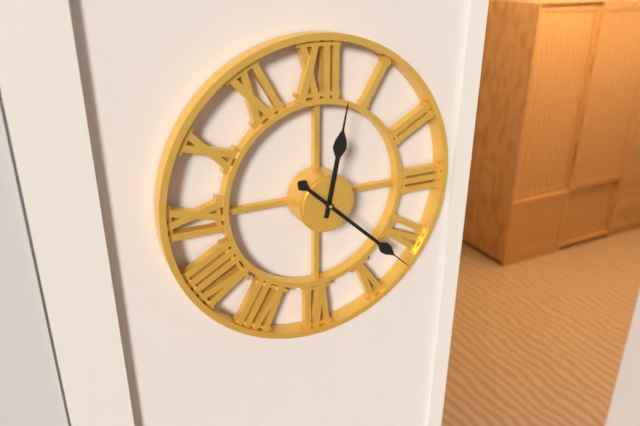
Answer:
**12:22**
